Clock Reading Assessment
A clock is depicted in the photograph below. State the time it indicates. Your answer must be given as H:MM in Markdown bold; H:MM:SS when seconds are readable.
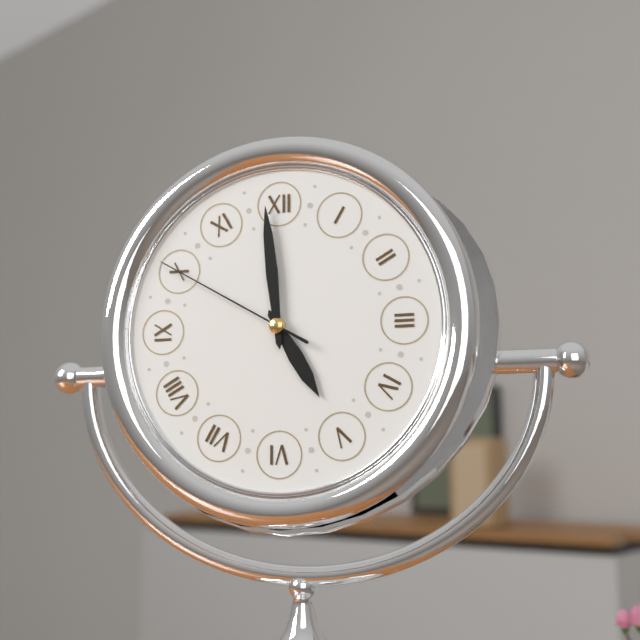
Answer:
**4:59:50**
